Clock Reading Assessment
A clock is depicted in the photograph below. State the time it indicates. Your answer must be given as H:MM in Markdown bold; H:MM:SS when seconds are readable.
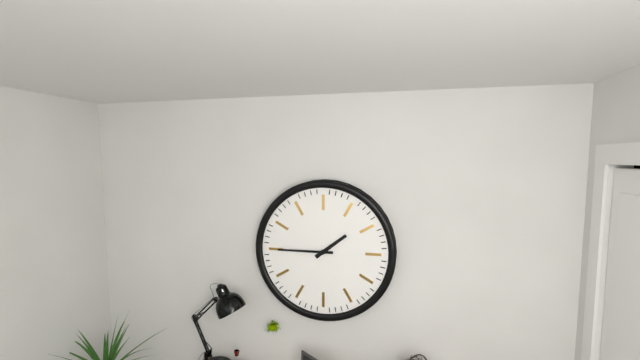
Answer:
**1:45**
